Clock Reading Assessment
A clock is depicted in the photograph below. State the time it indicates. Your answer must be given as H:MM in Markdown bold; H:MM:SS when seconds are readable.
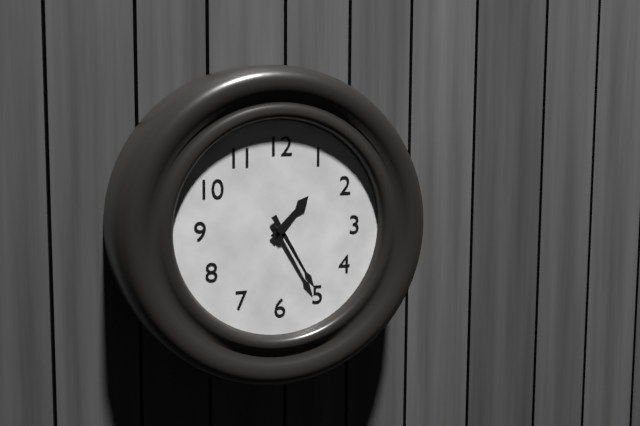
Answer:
**1:25**
